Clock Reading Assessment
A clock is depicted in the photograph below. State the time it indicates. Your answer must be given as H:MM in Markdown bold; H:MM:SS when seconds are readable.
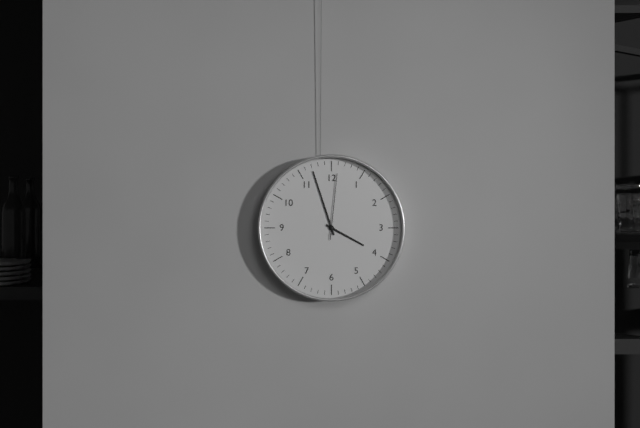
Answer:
**3:57:01**
